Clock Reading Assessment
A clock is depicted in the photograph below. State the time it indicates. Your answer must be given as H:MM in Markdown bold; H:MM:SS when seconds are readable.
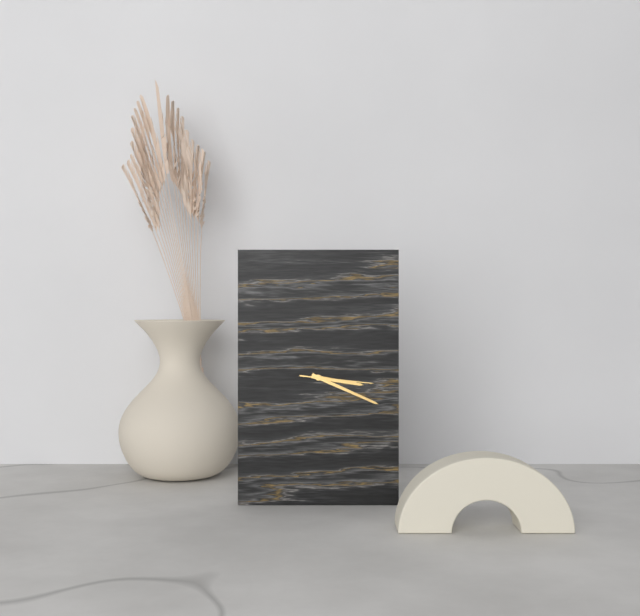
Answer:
**3:19:16**
